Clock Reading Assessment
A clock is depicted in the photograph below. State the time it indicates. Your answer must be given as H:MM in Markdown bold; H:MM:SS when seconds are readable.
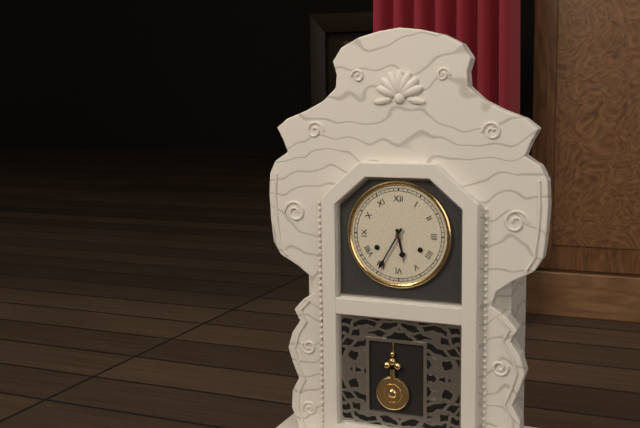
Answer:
**5:35**
